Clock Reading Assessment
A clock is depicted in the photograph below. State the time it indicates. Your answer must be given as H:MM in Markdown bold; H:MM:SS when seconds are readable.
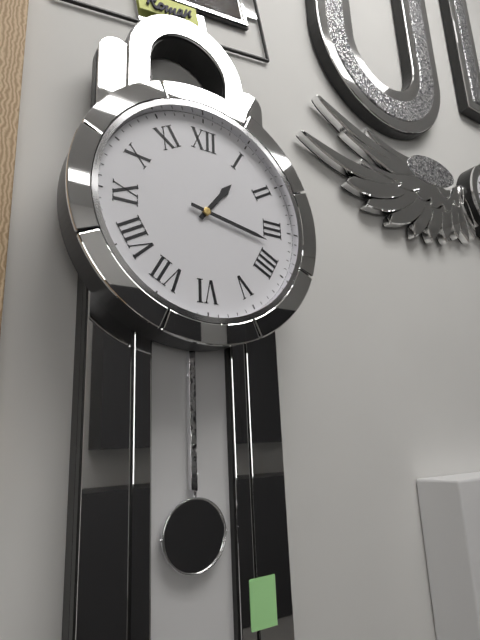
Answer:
**1:17**
